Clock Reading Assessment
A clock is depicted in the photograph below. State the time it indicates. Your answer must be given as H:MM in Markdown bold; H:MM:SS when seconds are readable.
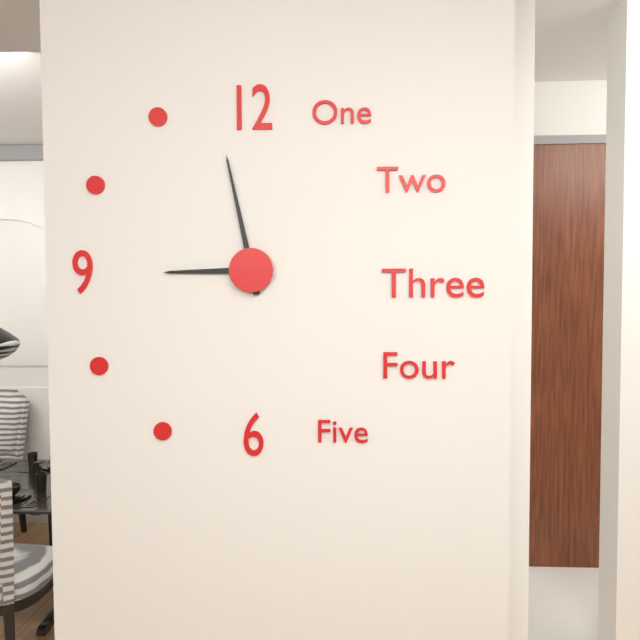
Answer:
**8:58**
